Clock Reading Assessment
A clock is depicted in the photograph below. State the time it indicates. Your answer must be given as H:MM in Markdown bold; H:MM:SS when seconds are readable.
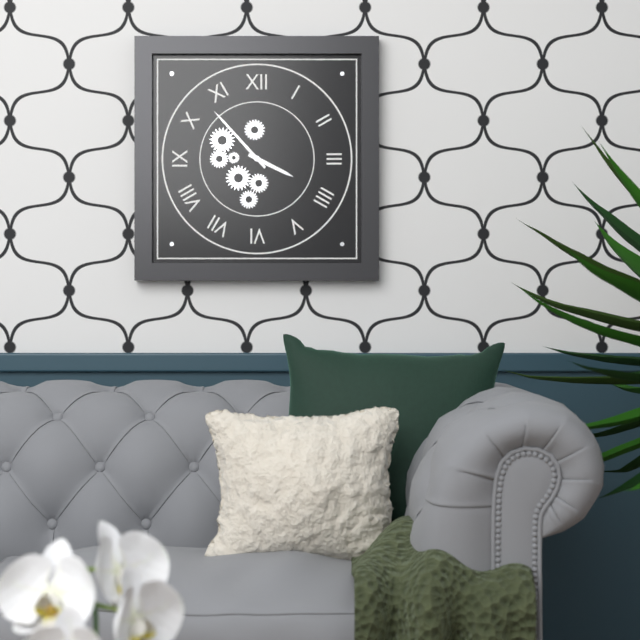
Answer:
**3:53**
